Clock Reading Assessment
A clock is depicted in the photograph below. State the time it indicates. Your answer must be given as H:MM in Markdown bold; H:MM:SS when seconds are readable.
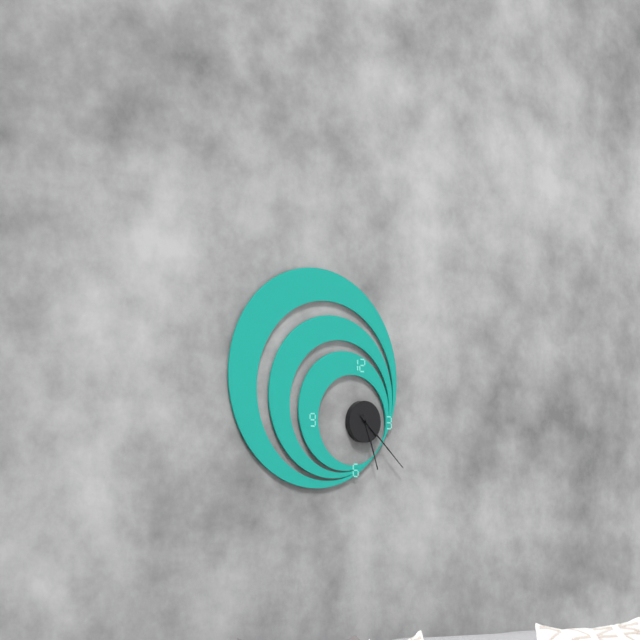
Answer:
**5:22**
